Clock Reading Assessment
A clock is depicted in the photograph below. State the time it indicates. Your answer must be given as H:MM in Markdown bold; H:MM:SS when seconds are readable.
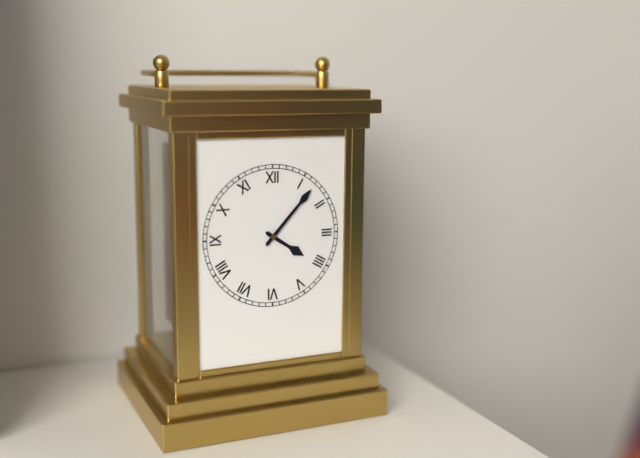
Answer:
**4:07**
